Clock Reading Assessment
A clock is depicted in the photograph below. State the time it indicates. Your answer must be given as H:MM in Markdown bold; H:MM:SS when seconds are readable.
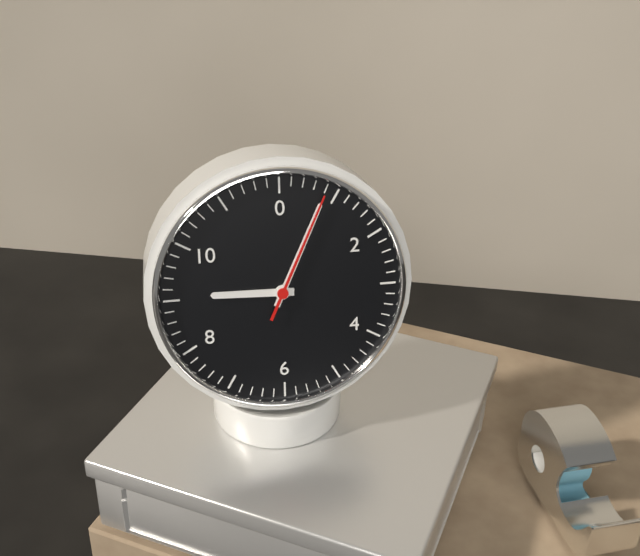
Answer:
**9:04:04**
